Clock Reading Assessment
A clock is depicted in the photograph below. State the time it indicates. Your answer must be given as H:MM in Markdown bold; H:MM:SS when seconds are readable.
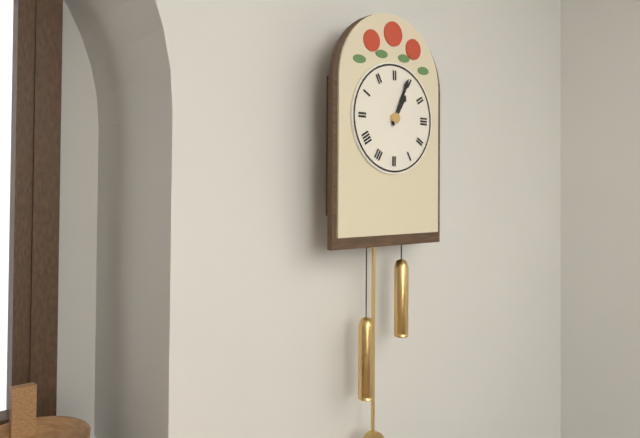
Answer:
**1:04**
